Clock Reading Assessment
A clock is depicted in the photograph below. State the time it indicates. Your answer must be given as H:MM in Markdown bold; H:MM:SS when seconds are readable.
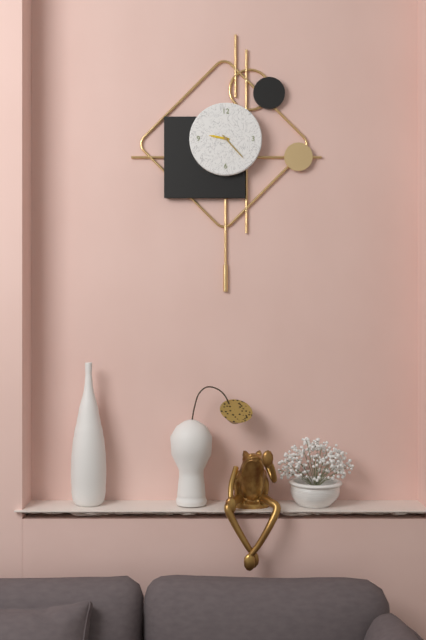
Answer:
**9:23**
